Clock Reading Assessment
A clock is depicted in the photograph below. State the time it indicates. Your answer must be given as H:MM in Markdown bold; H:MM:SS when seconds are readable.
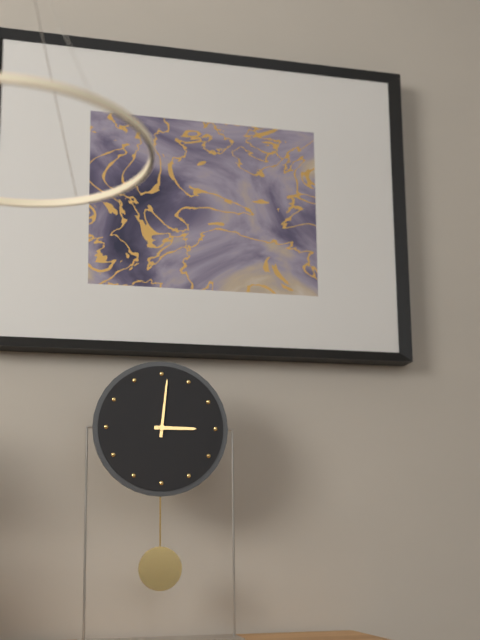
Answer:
**3:01**
